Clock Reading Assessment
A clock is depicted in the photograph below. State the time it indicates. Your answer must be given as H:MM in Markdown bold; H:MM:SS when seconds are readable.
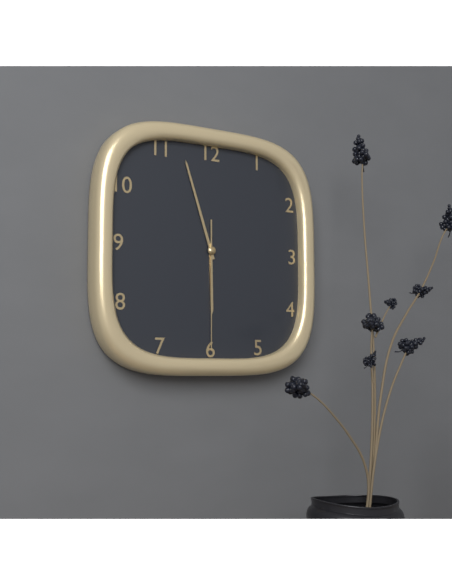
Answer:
**5:57:30**
